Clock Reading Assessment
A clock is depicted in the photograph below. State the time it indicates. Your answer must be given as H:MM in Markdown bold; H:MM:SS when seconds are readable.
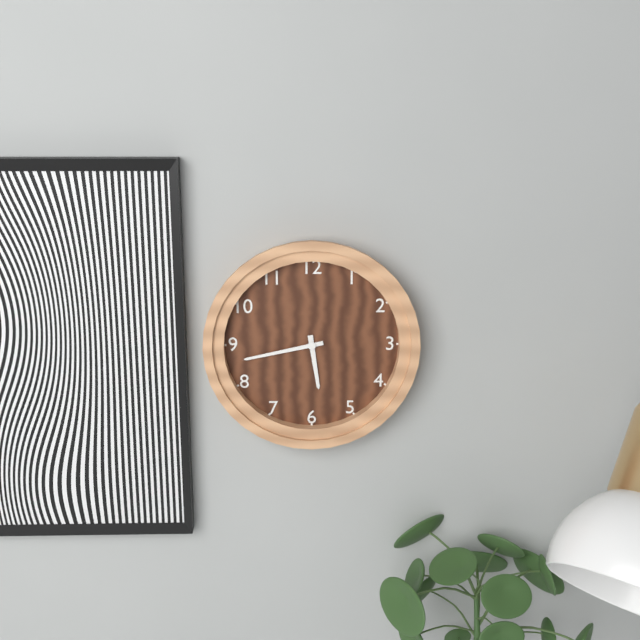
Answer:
**5:43**
